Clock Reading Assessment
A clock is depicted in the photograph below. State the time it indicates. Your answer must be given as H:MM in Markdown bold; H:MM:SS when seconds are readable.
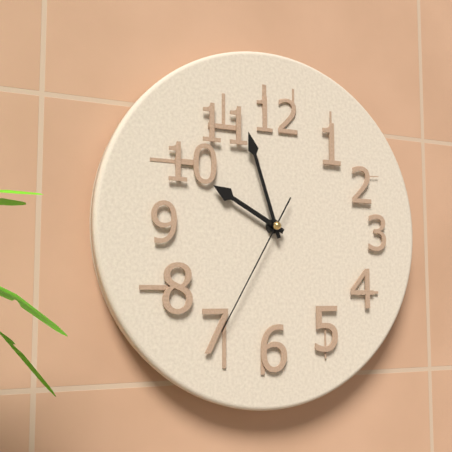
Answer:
**9:57:35**
